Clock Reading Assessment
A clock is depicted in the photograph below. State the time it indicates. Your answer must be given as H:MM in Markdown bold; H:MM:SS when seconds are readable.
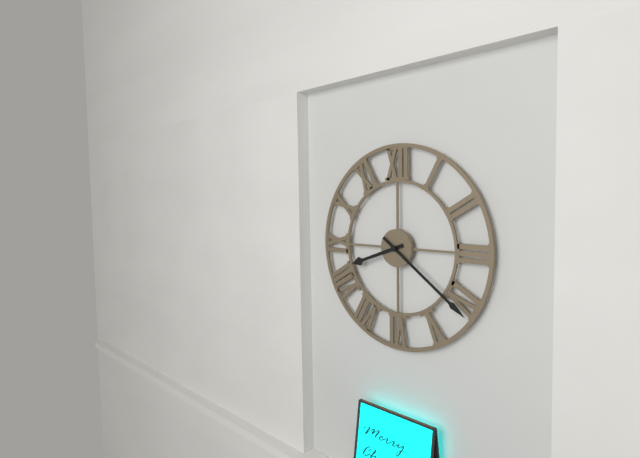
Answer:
**8:21**
